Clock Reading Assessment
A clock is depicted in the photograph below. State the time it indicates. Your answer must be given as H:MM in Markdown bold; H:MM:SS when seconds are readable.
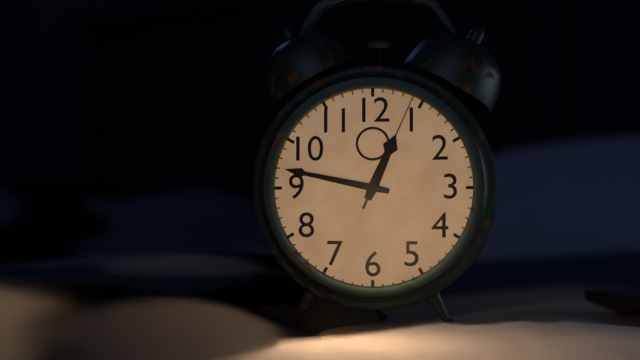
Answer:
**12:47:04**
